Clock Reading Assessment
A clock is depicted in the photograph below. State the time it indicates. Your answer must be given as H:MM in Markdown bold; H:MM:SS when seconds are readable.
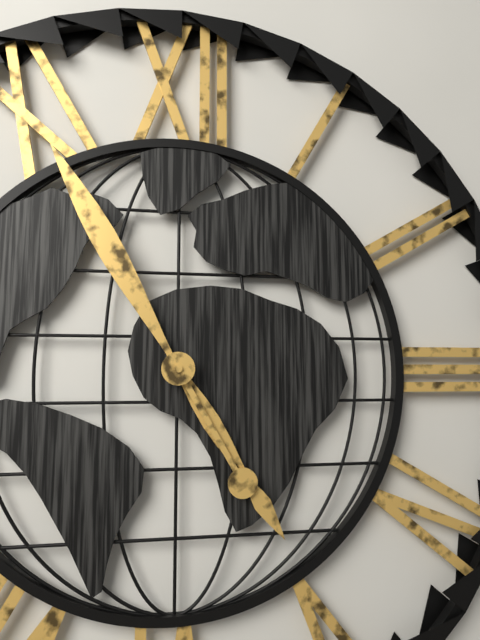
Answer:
**4:55**
